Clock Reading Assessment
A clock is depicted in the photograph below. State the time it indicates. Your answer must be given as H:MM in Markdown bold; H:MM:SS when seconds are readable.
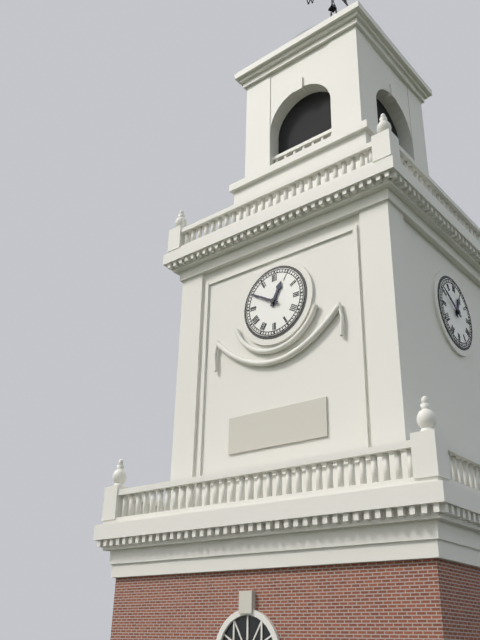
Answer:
**12:50**
